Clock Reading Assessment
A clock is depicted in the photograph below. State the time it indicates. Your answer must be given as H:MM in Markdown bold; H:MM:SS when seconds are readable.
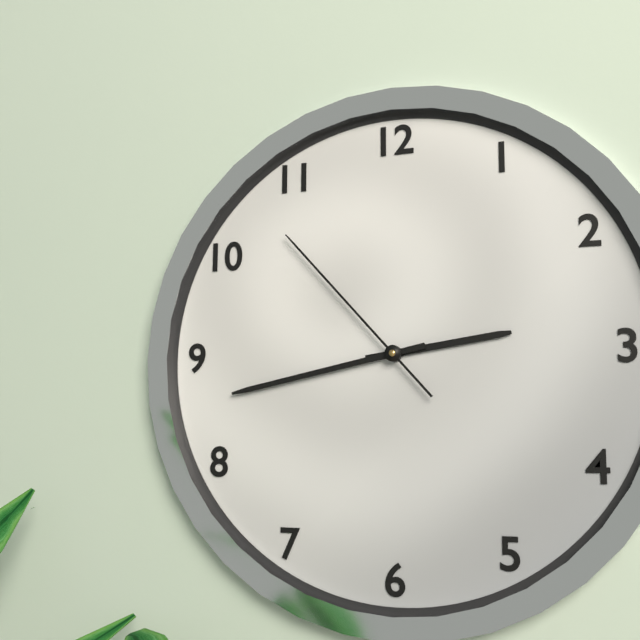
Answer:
**2:43:53**
